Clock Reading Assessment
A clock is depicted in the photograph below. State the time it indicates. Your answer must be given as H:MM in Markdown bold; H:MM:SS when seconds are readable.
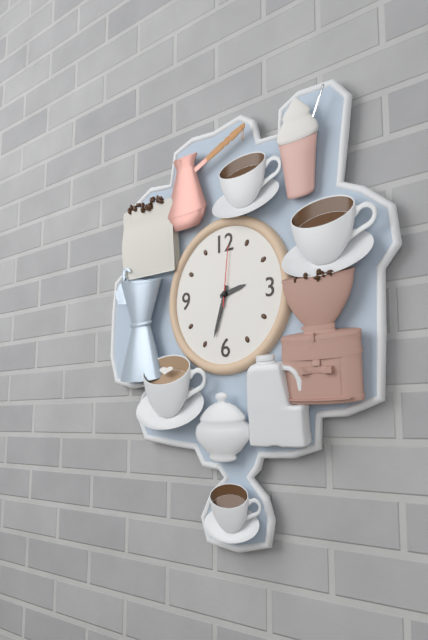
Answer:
**2:33:01**
